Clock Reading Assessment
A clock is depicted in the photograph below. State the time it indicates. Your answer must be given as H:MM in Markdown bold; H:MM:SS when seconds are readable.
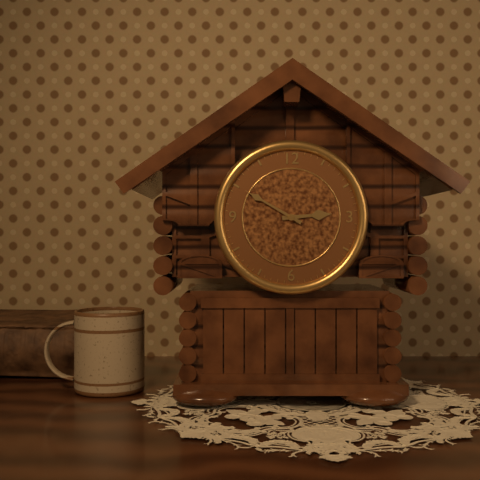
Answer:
**2:50**
